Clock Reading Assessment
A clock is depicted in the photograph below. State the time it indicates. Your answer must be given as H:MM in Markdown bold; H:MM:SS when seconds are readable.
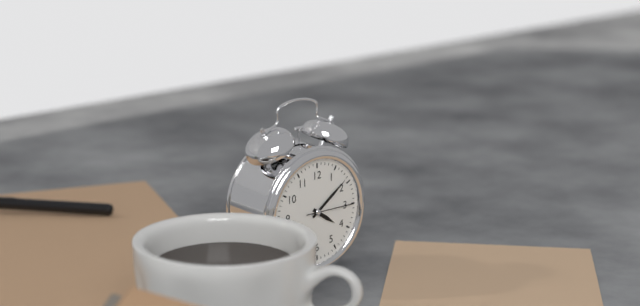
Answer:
**4:09**
